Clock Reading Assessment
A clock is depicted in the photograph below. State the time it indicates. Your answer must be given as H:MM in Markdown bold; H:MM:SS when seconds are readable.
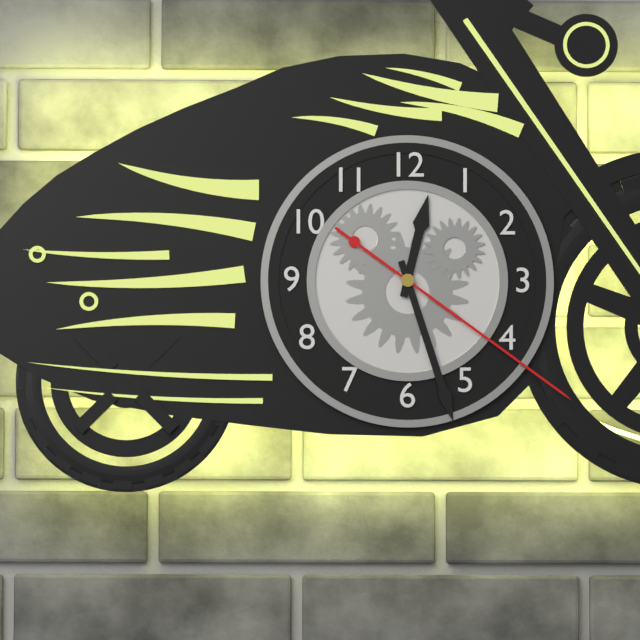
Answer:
**12:27:21**
